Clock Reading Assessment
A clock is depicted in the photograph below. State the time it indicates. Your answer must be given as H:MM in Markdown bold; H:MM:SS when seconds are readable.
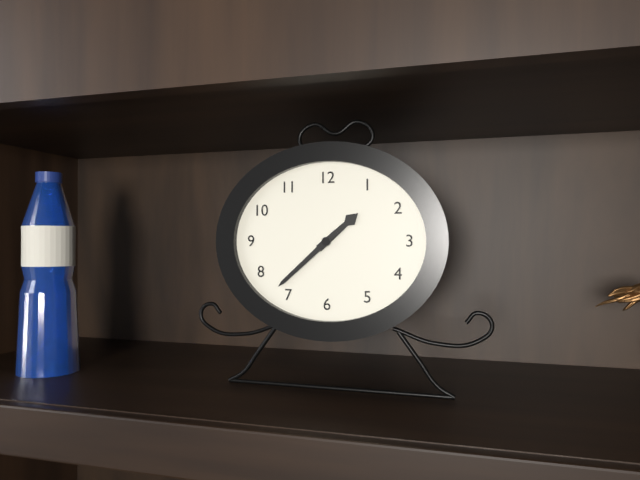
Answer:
**1:38**
